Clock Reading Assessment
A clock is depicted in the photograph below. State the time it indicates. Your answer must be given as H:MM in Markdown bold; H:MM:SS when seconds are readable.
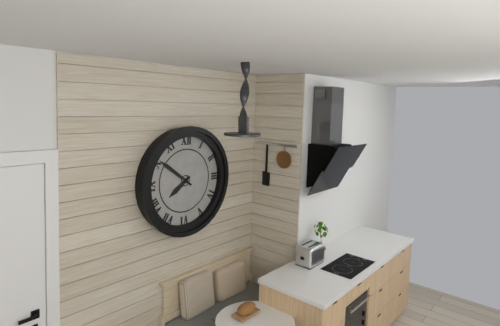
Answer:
**7:51**
